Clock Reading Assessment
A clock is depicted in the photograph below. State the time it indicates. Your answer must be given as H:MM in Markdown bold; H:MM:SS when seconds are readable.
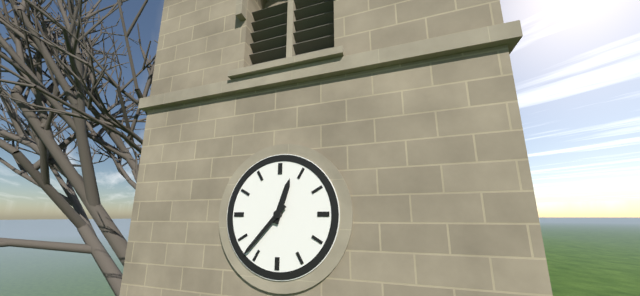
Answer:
**12:37**
